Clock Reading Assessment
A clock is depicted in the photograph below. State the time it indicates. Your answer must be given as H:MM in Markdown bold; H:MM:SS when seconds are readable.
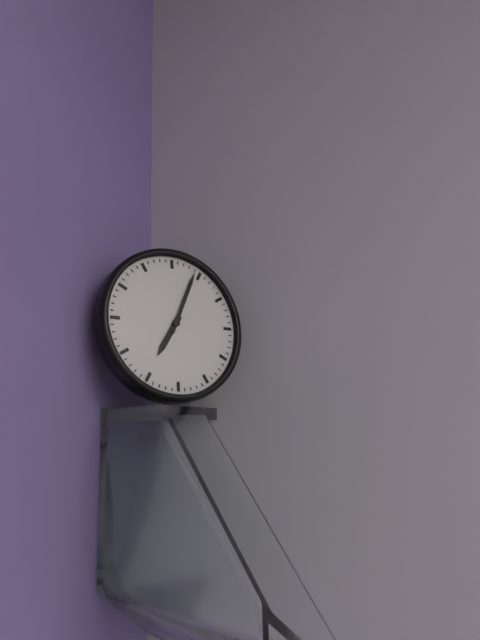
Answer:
**7:04**
